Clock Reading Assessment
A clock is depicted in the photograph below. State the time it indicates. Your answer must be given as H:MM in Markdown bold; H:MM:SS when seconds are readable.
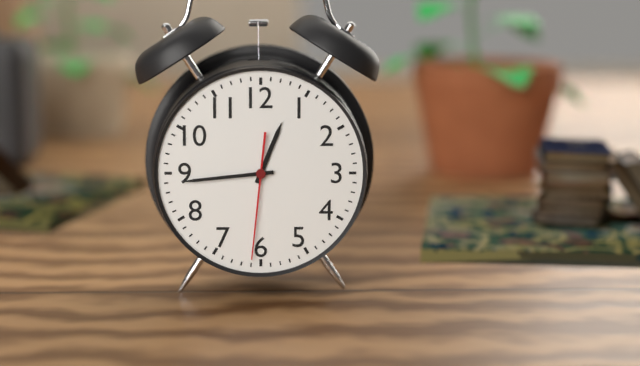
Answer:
**12:44:31**
